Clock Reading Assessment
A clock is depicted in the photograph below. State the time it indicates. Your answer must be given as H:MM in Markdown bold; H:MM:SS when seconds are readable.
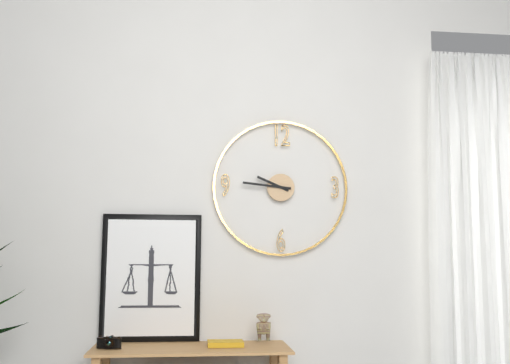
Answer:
**9:46**
